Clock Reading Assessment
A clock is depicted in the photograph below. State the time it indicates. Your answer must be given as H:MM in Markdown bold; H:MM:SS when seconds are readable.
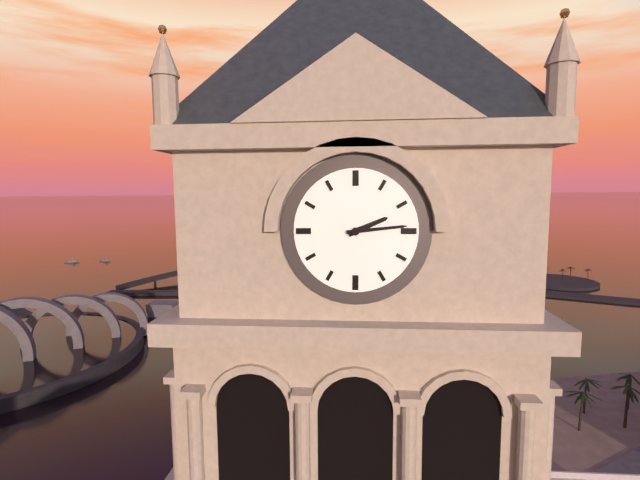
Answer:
**2:14**
